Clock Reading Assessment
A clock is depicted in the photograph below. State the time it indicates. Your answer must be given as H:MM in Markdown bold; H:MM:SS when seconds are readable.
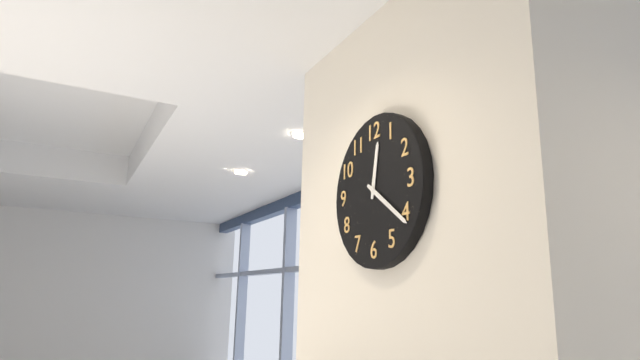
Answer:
**12:21**
